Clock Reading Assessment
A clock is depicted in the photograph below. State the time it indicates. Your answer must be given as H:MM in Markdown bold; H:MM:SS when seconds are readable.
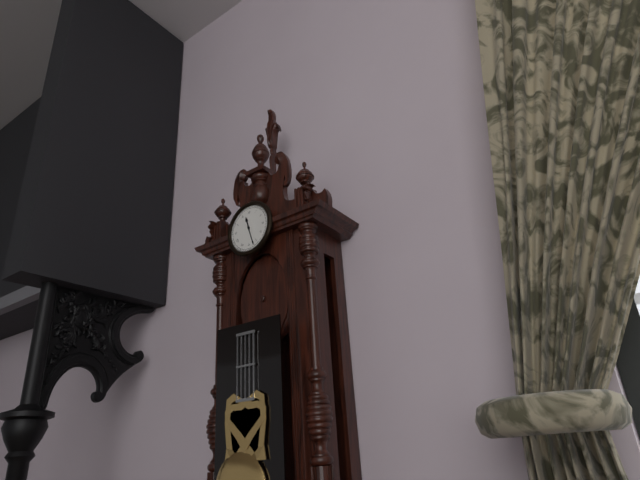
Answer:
**11:27**
